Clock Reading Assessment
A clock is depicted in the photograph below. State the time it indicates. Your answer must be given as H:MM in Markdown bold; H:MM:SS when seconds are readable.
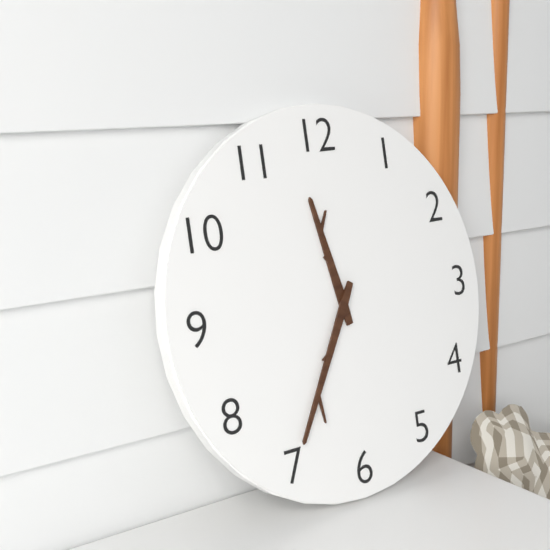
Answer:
**11:35**
